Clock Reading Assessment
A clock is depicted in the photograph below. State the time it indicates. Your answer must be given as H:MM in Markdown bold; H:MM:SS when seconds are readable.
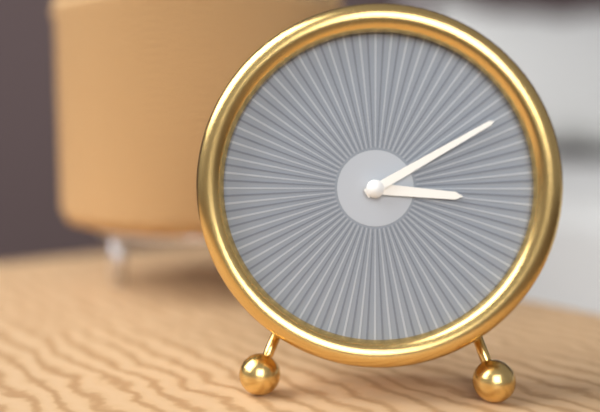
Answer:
**3:10**
